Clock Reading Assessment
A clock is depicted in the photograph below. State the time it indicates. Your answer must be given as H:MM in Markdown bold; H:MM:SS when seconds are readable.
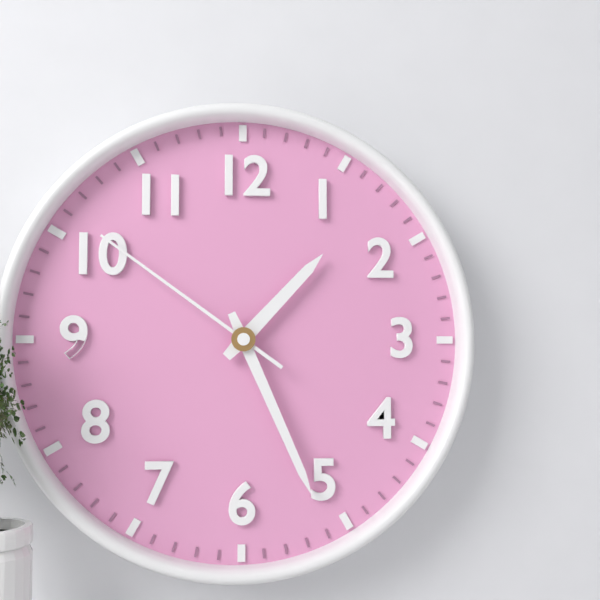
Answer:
**1:26:51**
